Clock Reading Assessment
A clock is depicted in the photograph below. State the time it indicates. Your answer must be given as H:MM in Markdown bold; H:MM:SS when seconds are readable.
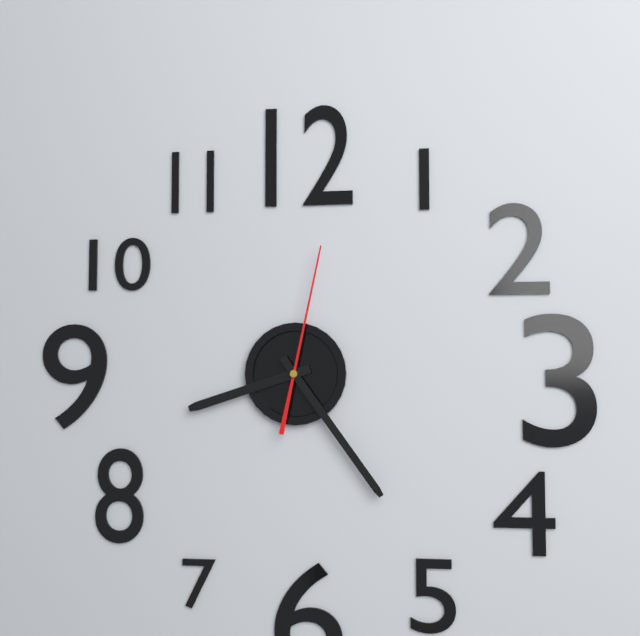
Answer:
**8:24:02**
